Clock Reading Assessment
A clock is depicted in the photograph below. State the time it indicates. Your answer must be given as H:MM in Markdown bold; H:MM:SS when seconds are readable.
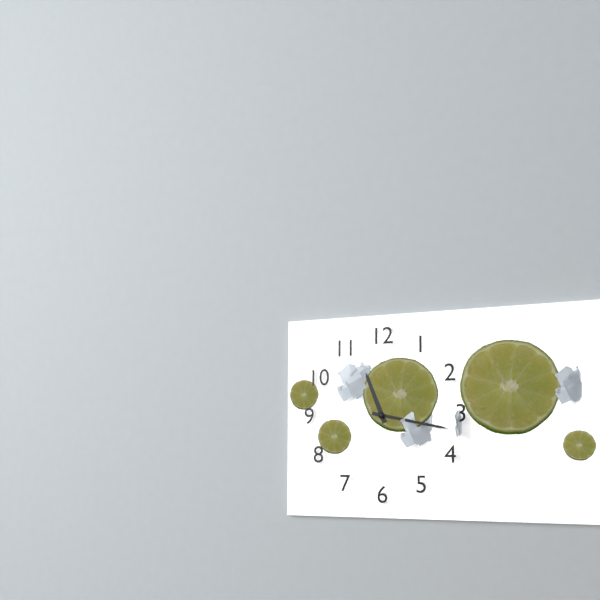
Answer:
**11:17**
